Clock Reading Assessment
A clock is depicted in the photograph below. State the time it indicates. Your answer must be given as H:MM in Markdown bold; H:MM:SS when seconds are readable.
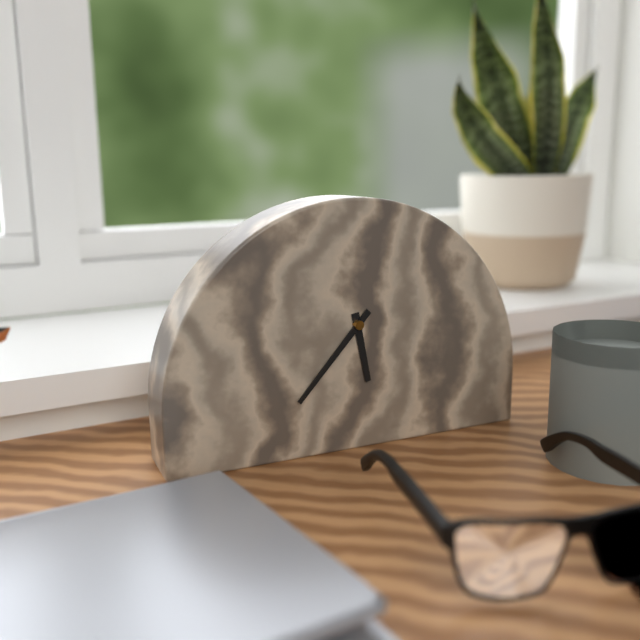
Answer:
**5:37**
